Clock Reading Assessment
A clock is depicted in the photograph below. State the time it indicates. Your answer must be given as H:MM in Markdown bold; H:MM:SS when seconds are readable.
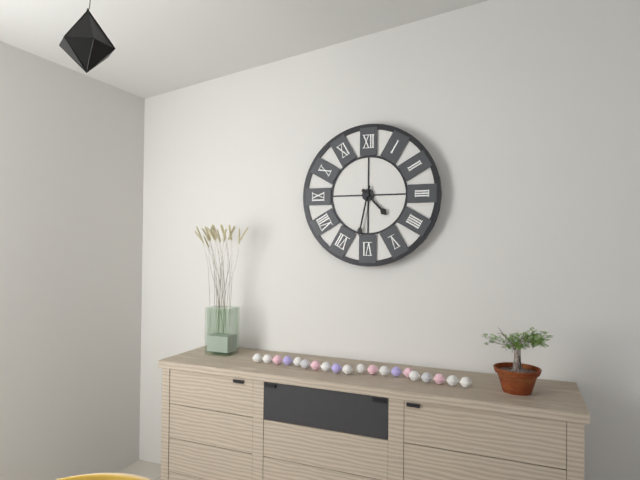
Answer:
**4:32**
